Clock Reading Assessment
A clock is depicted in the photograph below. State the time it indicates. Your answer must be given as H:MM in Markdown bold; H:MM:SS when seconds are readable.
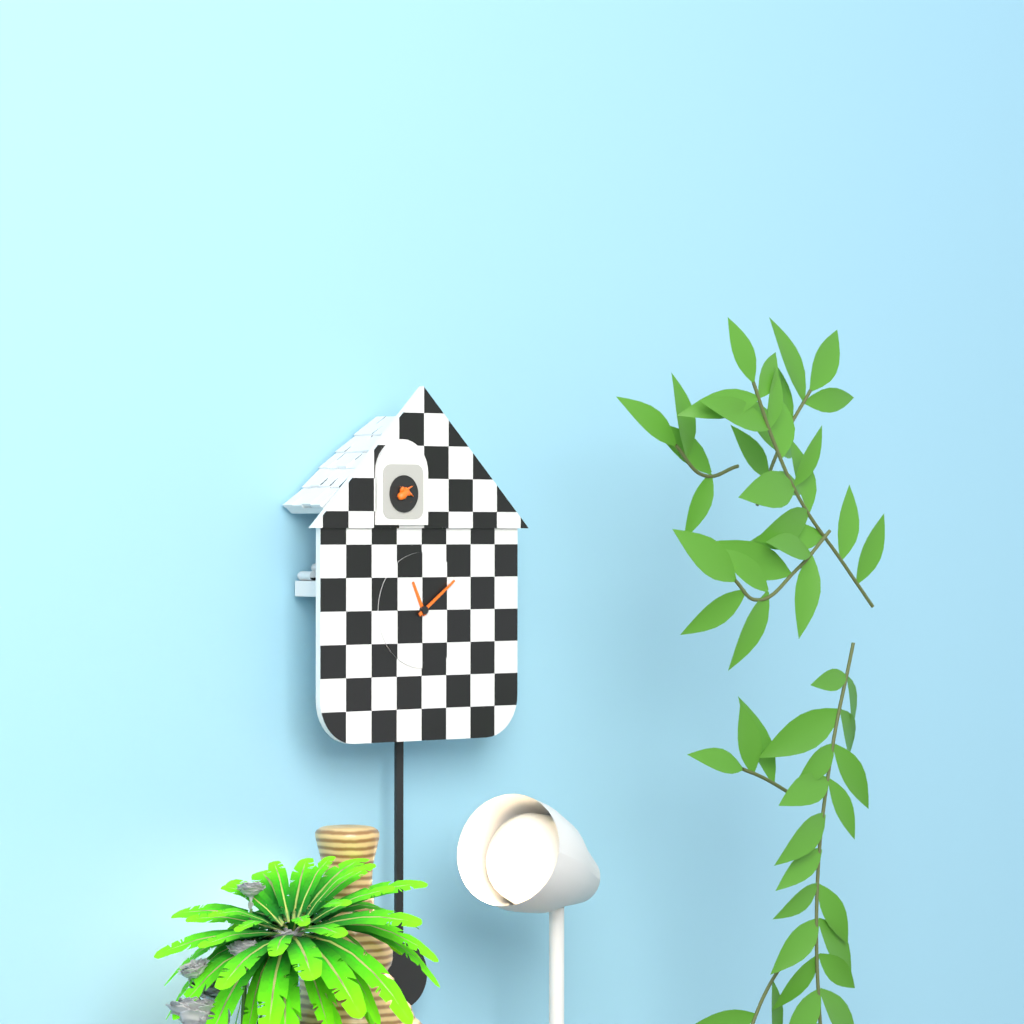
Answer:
**11:09**
